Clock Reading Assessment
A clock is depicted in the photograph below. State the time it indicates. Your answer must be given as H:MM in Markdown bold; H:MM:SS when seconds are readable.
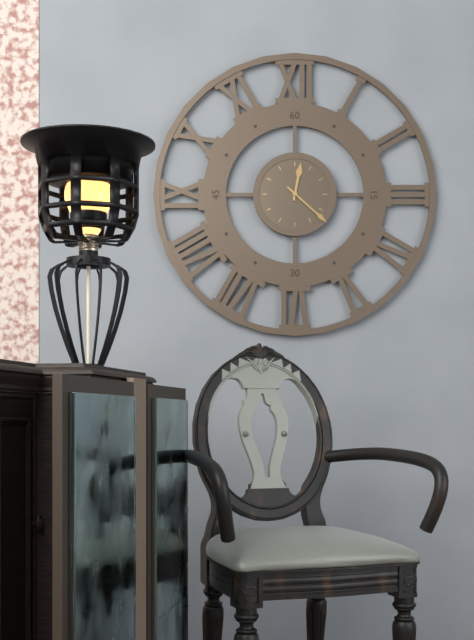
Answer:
**12:22**
